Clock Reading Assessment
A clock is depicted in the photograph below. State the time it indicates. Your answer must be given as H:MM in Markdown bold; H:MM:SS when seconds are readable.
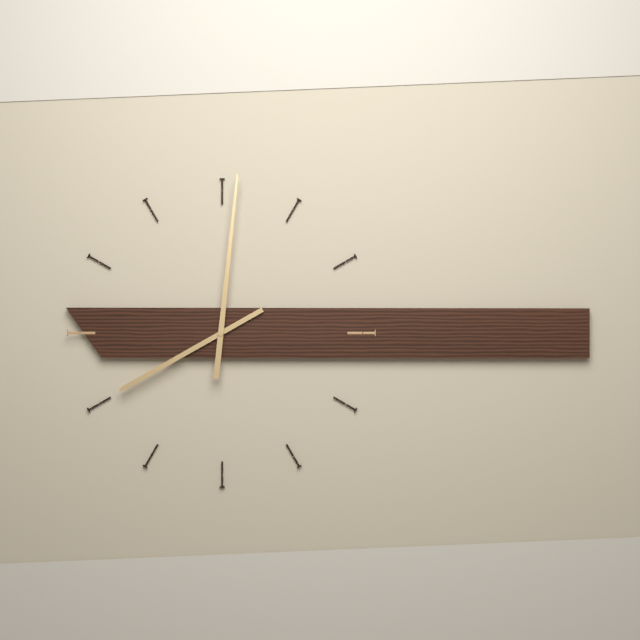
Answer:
**8:01**
